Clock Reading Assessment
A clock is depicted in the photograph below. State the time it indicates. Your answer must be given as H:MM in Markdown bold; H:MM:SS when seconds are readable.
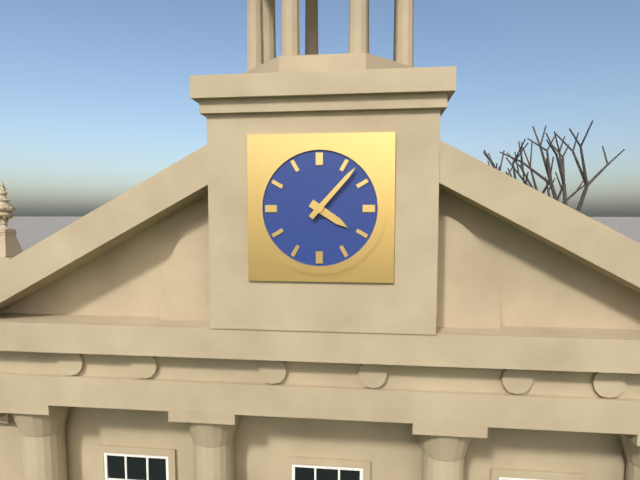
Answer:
**4:07**
